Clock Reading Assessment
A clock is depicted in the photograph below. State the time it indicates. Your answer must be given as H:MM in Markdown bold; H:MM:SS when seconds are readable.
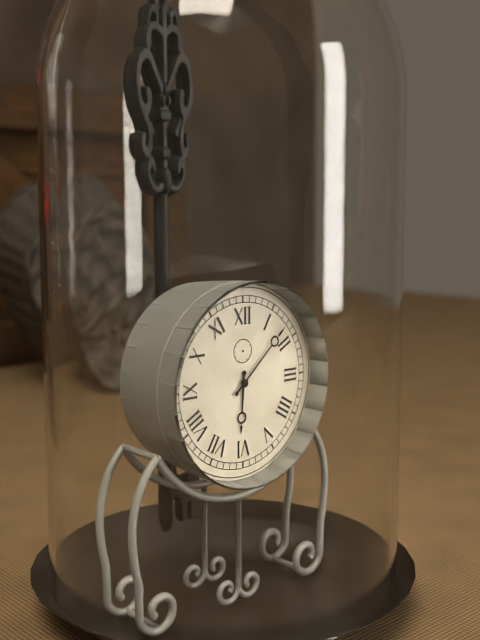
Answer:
**6:08**
